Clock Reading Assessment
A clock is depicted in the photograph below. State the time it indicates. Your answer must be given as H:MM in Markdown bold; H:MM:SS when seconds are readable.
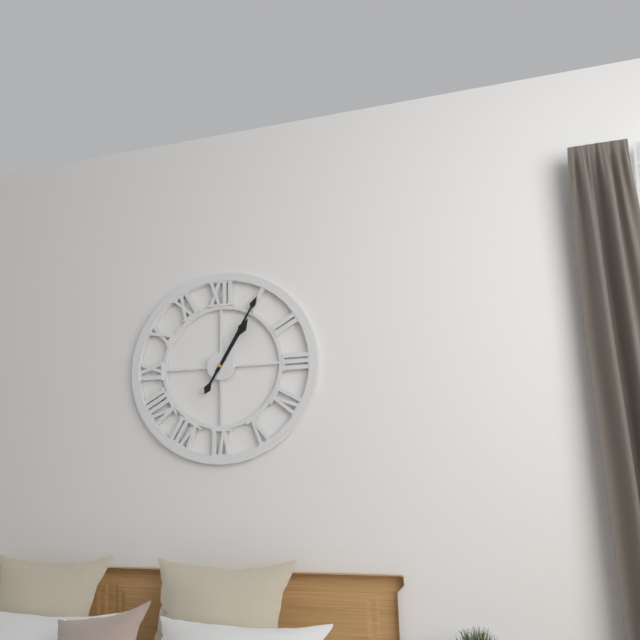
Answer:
**1:05**
